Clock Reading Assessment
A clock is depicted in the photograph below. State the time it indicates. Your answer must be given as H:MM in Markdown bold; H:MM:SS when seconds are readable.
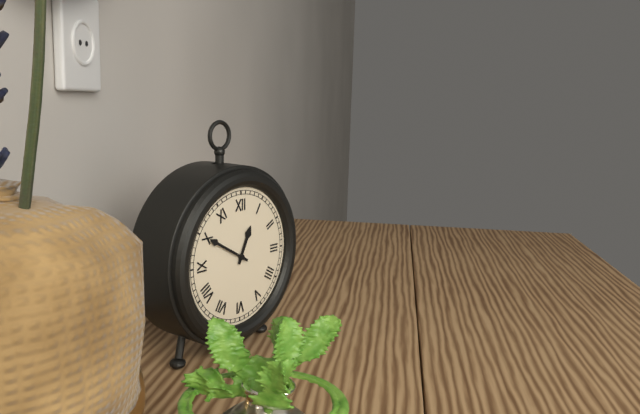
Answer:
**12:50**
